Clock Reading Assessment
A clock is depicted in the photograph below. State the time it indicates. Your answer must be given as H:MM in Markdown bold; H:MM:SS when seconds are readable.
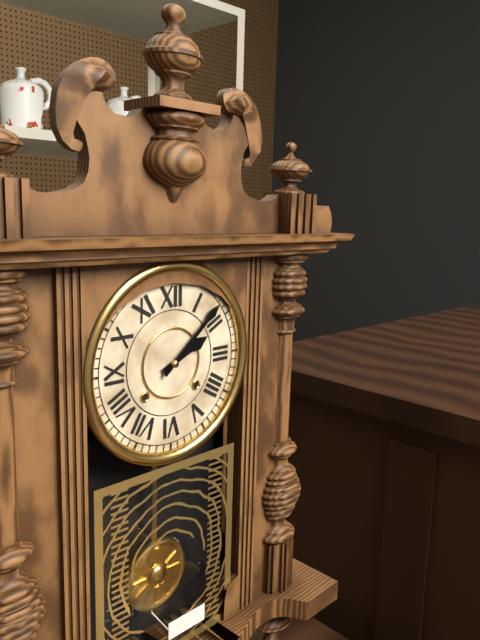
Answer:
**2:08**
